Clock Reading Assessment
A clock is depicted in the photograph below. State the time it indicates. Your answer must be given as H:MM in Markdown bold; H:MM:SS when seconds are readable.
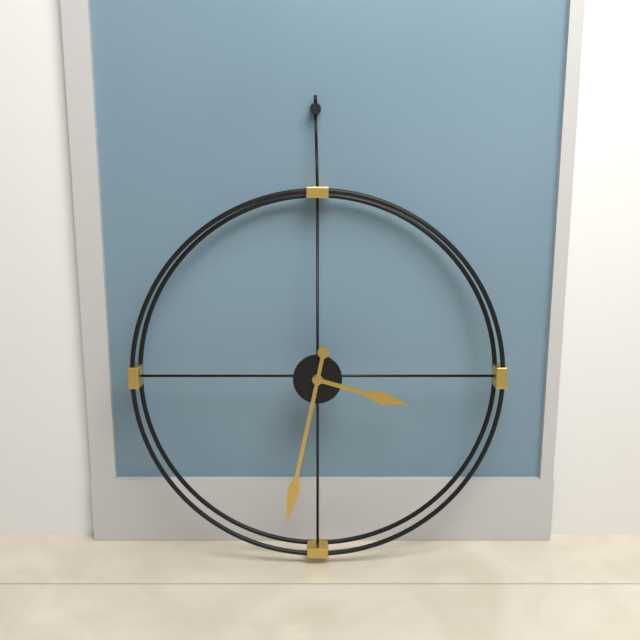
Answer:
**3:32**
